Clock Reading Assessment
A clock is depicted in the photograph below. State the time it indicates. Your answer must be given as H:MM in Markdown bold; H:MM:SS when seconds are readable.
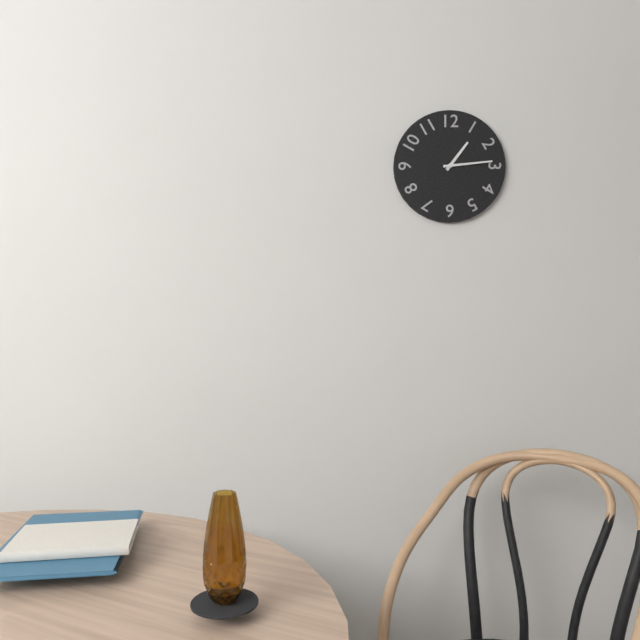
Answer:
**1:14**
